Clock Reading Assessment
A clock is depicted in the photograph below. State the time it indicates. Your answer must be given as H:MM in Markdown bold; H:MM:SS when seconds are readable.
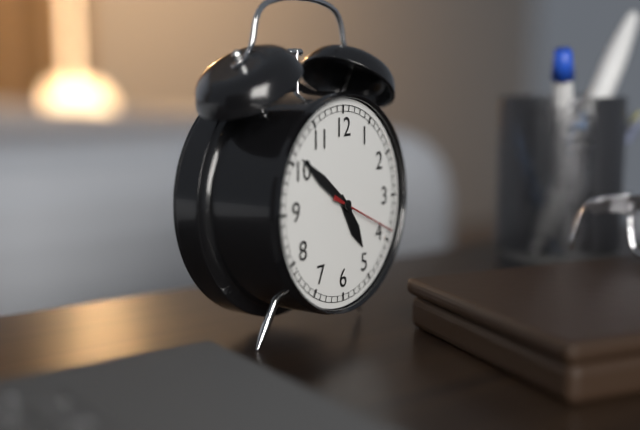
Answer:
**4:51:19**
